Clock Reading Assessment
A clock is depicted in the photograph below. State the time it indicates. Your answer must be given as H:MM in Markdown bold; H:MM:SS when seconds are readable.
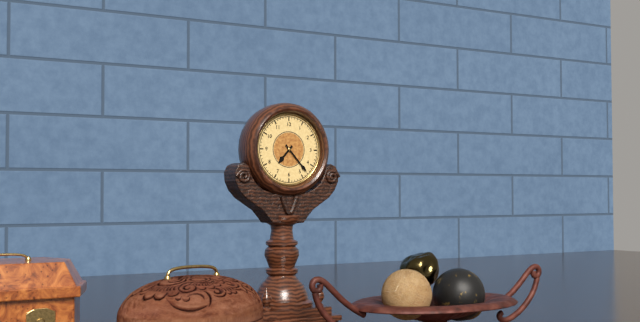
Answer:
**7:23**
